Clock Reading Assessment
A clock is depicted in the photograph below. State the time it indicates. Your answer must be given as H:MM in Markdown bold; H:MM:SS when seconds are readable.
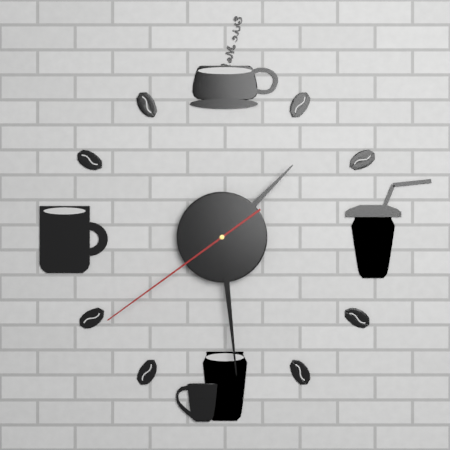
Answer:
**1:29:39**
